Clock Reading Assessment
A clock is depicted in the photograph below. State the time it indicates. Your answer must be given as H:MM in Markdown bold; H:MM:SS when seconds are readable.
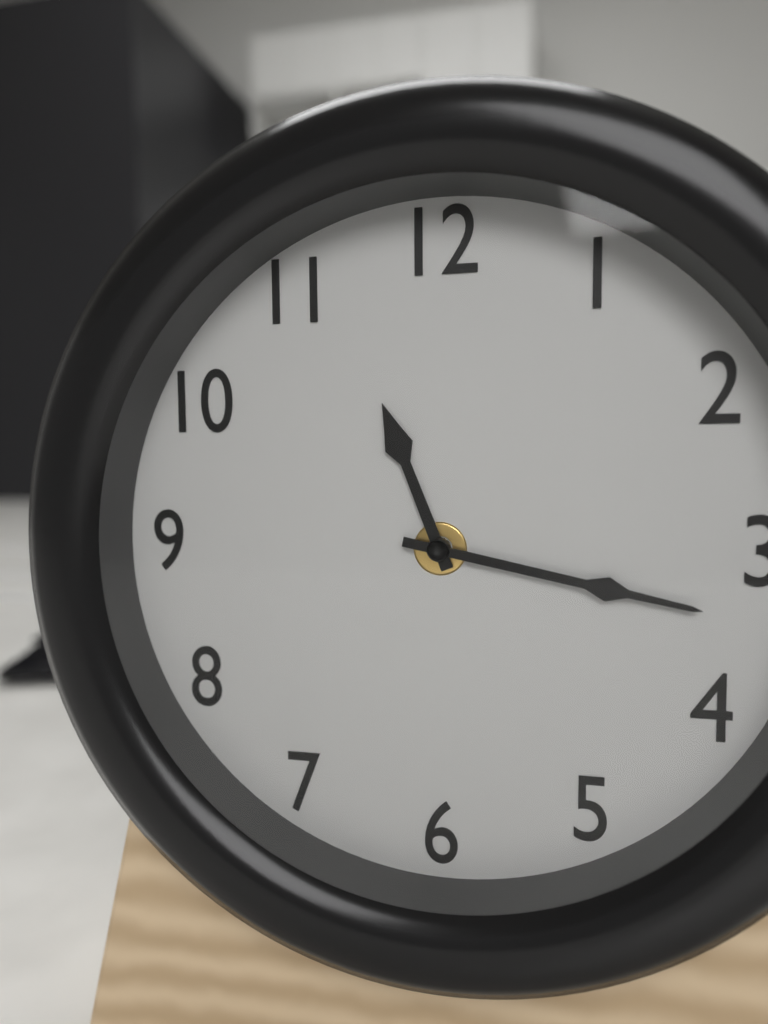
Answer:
**11:17**
